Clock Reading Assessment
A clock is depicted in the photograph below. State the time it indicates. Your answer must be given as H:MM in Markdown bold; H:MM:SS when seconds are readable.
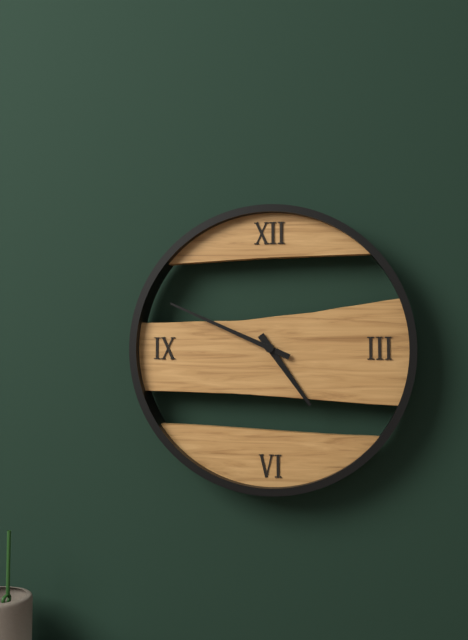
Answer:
**4:49**
